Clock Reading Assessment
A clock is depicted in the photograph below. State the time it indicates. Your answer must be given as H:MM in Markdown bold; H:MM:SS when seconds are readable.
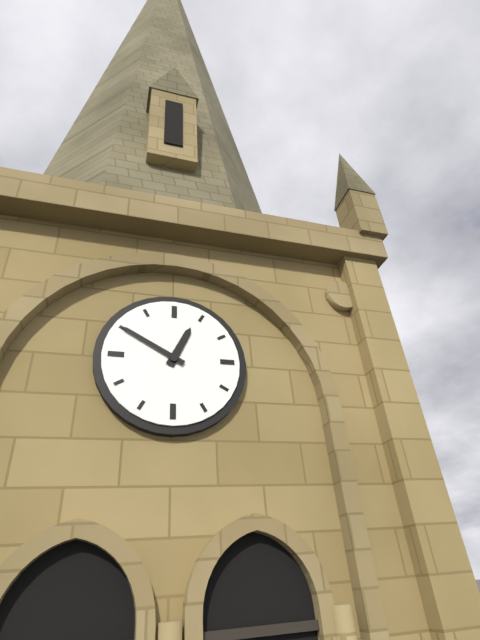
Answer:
**12:50**
